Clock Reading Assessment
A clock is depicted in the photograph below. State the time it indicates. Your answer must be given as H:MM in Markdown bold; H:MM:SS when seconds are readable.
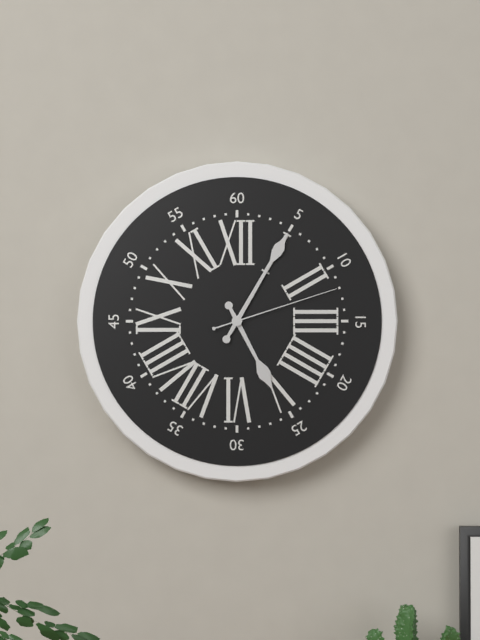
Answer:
**5:05:12**
